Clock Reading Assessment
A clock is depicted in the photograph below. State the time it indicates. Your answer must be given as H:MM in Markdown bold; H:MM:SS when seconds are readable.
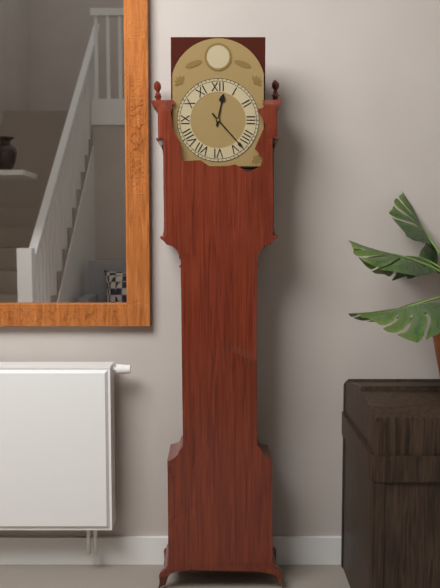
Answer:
**12:23**
